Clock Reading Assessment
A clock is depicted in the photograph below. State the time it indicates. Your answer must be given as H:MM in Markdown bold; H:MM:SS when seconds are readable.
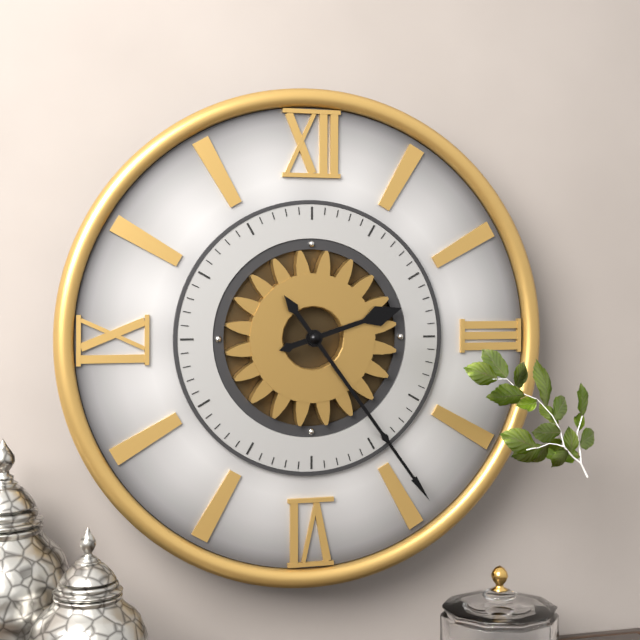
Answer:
**2:24**
